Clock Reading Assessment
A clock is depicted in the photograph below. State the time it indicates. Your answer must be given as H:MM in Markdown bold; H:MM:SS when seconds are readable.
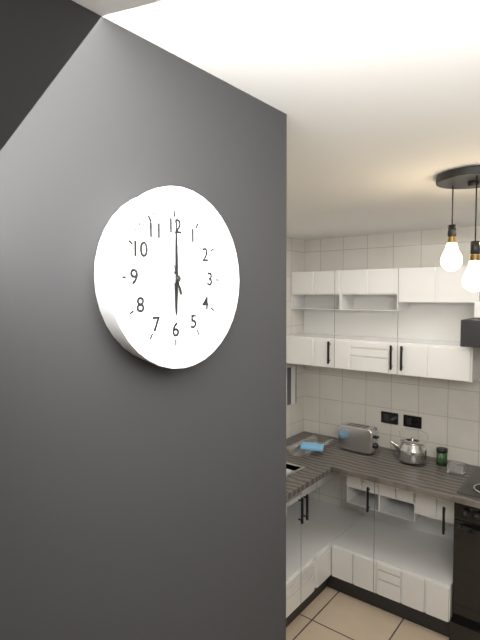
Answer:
**6:00:57**
